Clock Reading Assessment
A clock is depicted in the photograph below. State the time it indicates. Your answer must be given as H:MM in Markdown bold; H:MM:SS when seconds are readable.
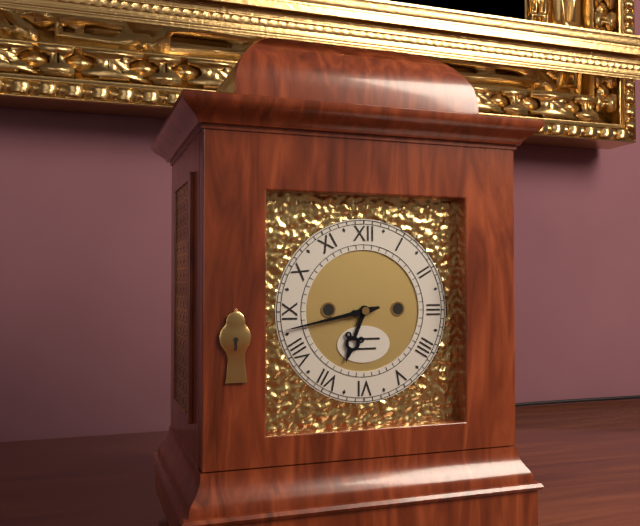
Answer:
**6:43**
